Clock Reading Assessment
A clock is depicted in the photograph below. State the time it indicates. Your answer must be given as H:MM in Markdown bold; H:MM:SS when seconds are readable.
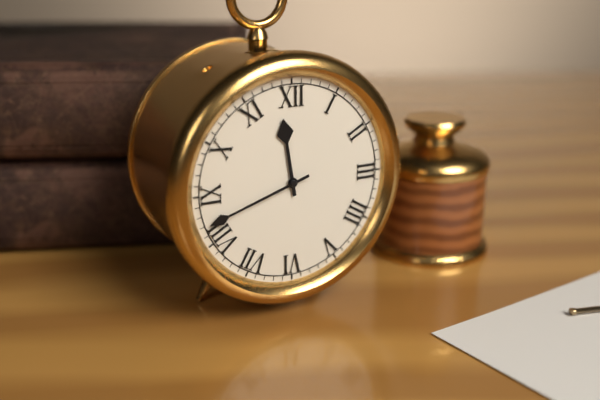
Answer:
**11:42**
